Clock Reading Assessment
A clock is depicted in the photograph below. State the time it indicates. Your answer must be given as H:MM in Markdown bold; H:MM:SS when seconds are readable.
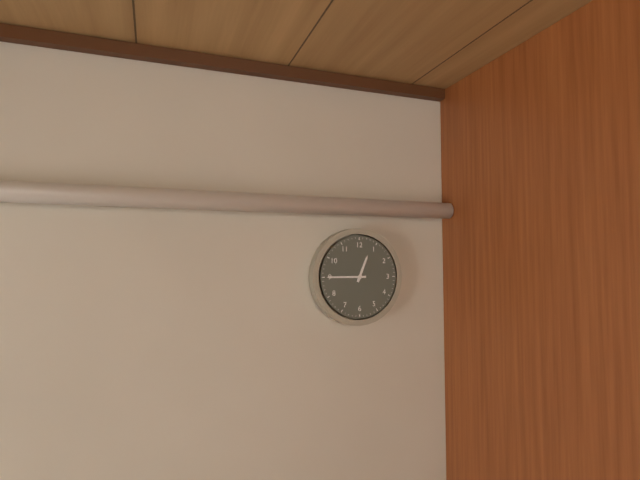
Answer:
**12:45**
